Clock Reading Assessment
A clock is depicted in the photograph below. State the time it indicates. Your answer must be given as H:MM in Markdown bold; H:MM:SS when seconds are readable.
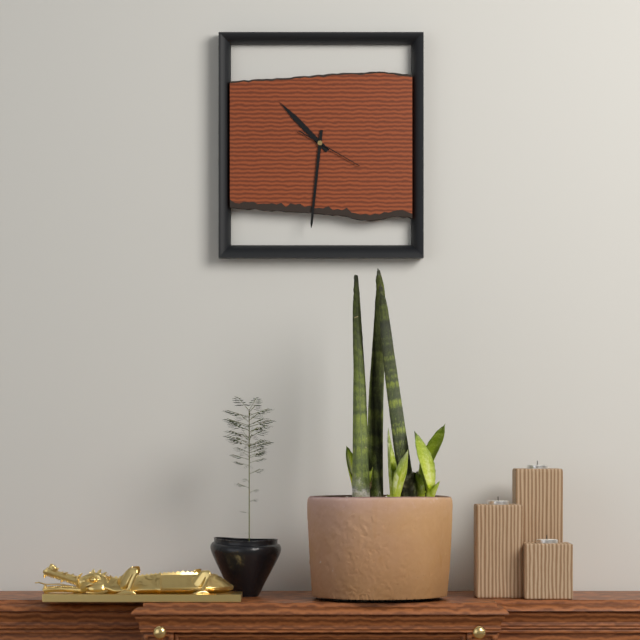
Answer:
**10:31:20**
